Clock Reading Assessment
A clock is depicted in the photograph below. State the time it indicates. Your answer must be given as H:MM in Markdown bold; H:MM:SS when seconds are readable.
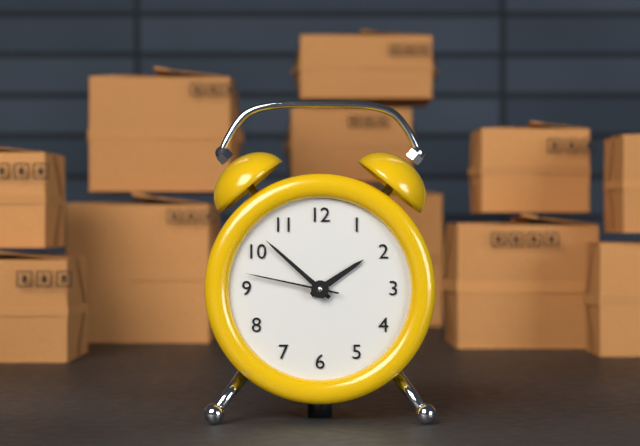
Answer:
**1:52:47**
